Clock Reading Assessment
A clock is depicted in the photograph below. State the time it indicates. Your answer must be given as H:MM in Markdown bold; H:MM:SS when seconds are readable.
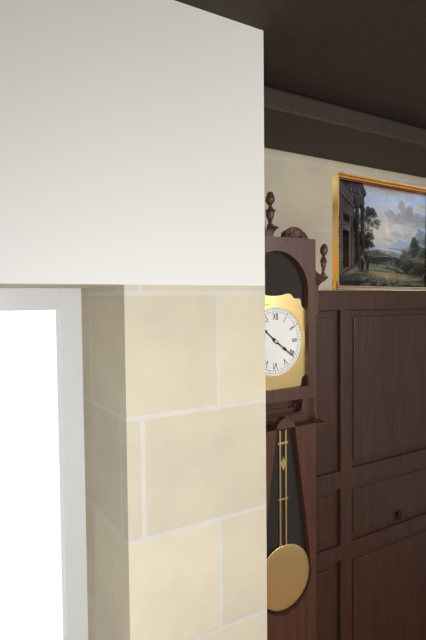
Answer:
**10:21**
